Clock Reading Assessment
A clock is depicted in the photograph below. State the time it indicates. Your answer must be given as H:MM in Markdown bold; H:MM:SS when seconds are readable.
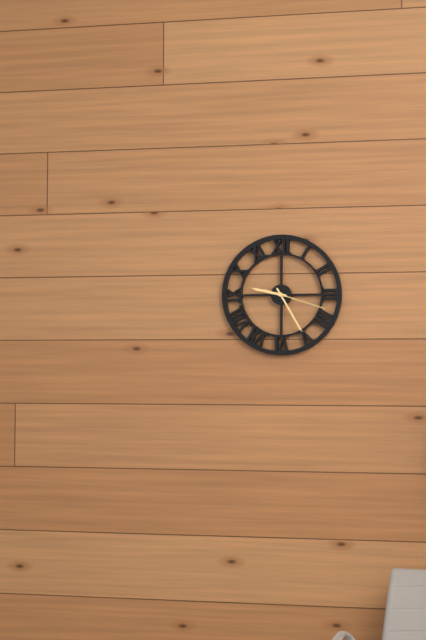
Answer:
**9:25:18**
